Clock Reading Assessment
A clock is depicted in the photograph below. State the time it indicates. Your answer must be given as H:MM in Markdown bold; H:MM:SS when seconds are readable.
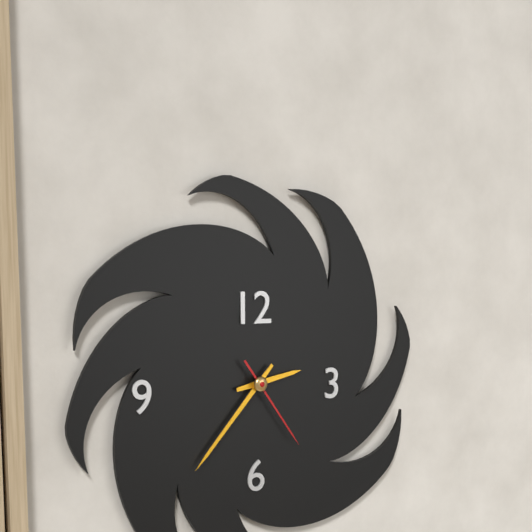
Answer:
**2:37:24**
